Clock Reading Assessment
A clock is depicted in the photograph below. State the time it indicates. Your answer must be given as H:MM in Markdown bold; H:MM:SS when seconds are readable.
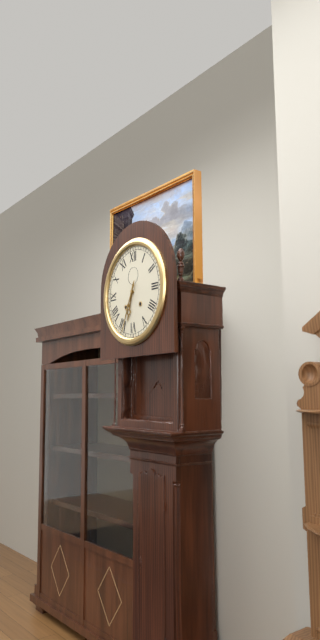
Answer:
**6:34**
